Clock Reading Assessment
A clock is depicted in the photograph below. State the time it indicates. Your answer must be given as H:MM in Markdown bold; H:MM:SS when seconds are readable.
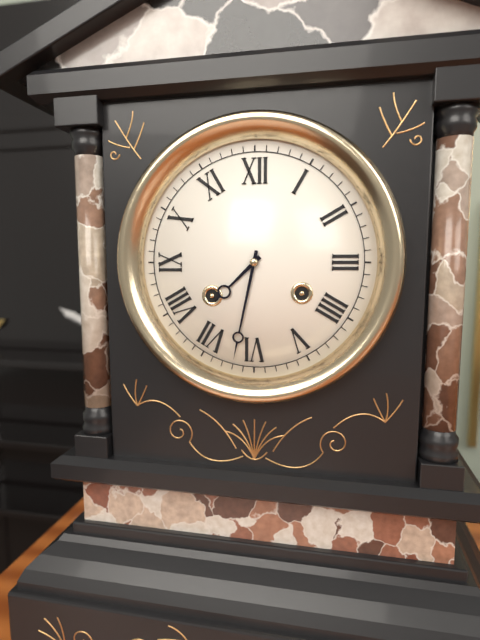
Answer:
**7:32**
